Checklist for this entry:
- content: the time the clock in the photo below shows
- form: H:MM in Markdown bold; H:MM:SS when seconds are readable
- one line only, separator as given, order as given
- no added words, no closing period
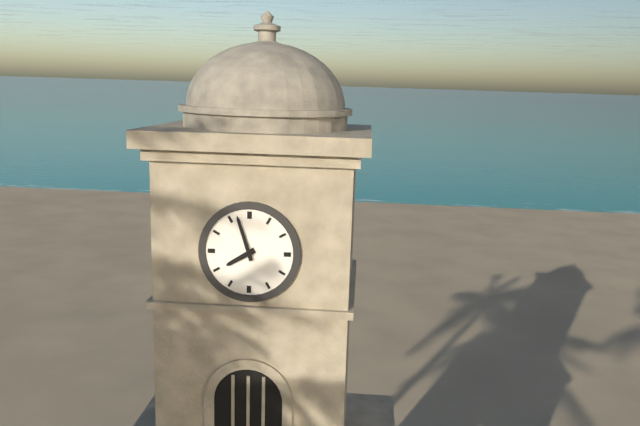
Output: **7:57**
